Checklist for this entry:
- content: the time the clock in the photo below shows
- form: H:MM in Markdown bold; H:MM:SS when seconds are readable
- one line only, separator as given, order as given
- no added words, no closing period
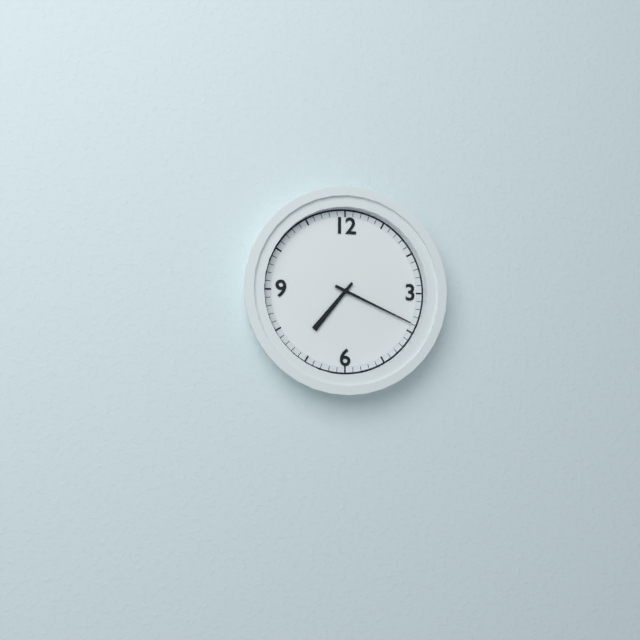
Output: **7:19**
